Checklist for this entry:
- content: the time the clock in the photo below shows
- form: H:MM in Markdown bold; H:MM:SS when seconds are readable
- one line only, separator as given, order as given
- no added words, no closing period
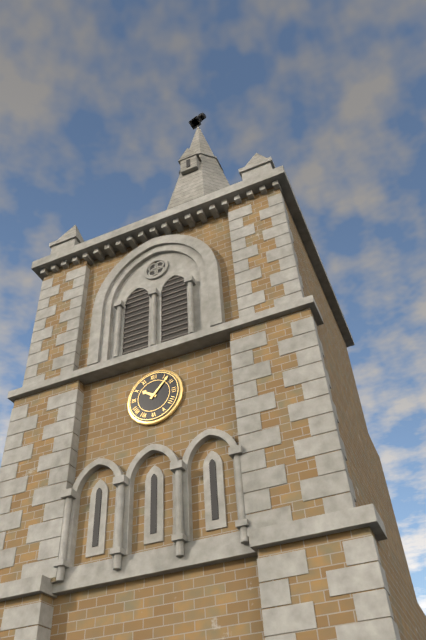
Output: **10:07**
